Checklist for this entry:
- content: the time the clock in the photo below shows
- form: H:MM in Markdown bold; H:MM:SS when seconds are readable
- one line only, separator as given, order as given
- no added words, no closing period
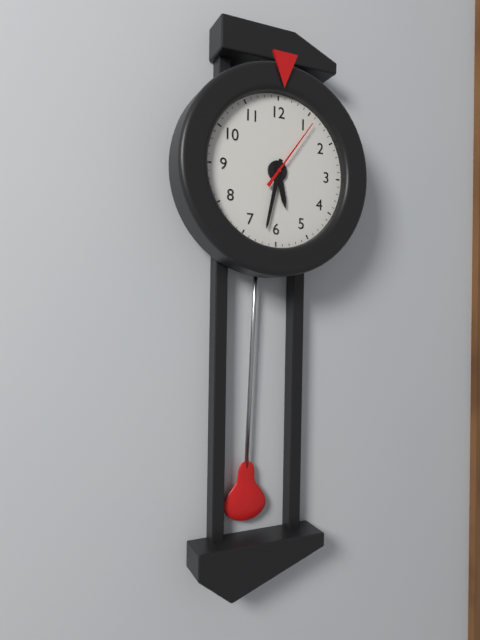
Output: **5:32:06**
